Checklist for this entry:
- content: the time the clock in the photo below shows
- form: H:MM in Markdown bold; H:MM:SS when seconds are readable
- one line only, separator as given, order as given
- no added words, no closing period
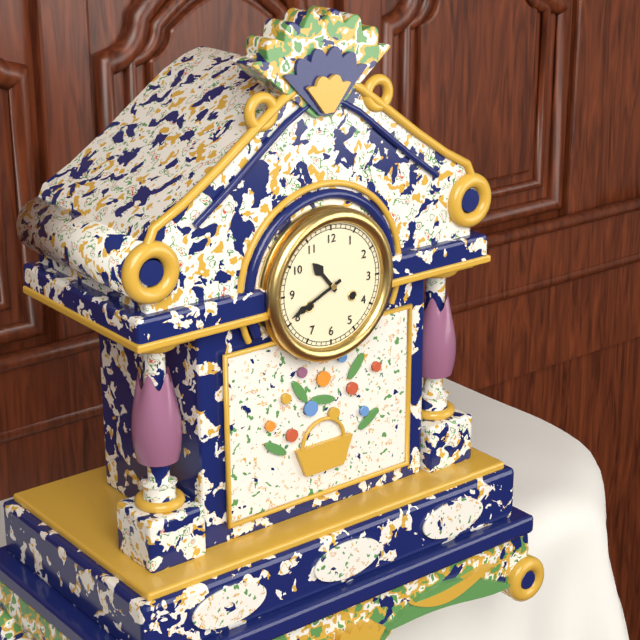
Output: **10:41**
